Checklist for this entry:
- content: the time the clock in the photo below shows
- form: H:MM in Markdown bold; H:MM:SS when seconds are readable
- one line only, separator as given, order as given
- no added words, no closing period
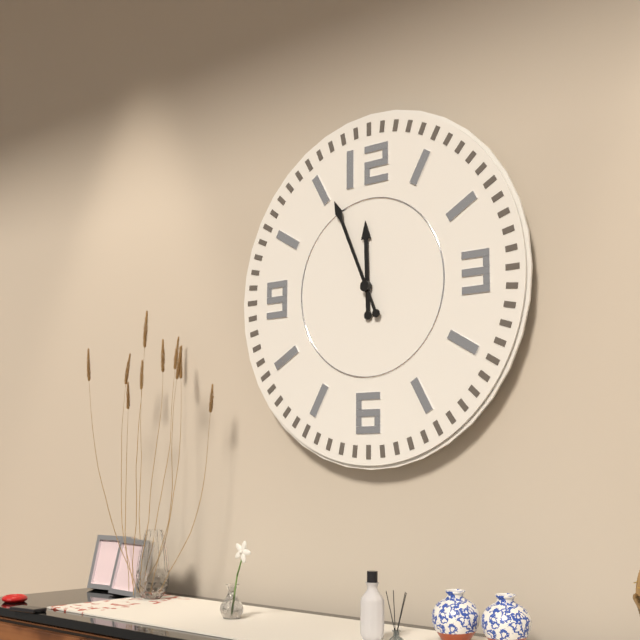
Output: **11:56**
